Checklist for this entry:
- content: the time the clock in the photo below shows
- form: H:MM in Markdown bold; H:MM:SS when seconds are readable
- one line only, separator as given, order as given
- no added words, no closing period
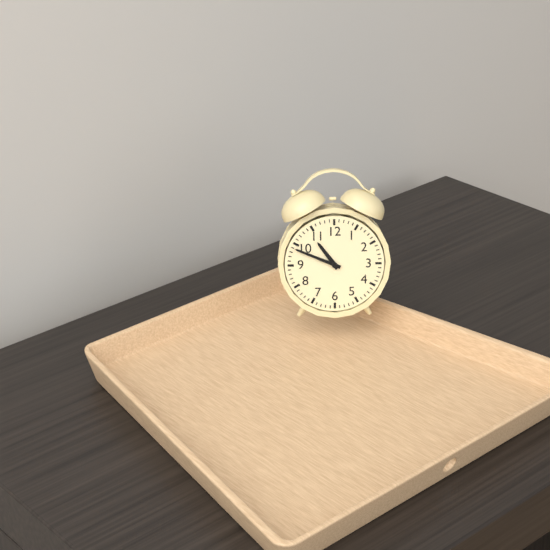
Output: **10:49**
